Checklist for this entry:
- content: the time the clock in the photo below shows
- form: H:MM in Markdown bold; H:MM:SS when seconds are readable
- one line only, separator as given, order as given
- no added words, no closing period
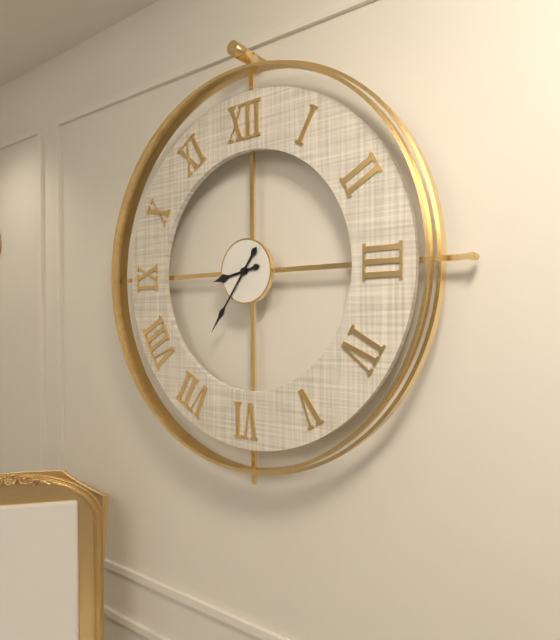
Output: **8:36**
